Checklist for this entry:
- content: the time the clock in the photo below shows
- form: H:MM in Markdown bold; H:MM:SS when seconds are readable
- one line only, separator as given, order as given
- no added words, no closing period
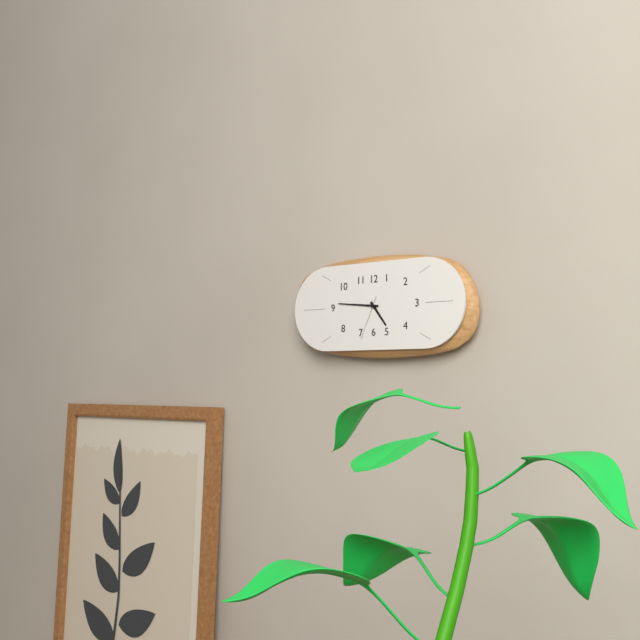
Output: **4:46**
